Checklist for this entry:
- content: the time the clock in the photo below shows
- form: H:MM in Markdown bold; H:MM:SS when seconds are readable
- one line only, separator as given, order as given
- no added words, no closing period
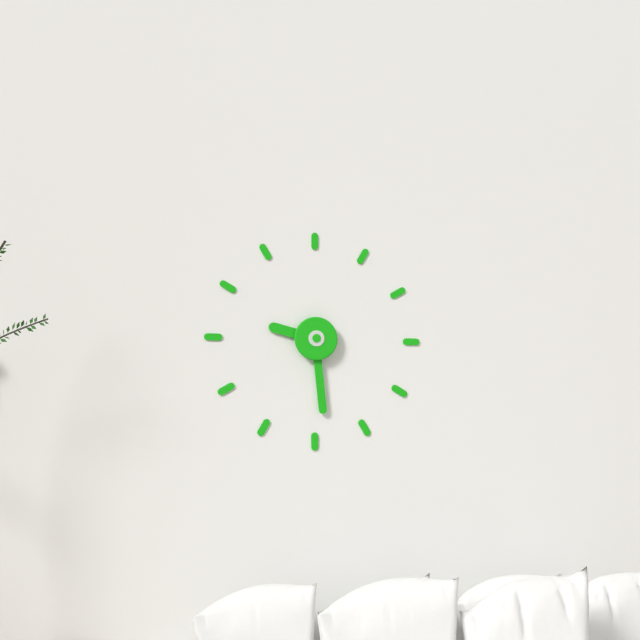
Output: **9:29**
